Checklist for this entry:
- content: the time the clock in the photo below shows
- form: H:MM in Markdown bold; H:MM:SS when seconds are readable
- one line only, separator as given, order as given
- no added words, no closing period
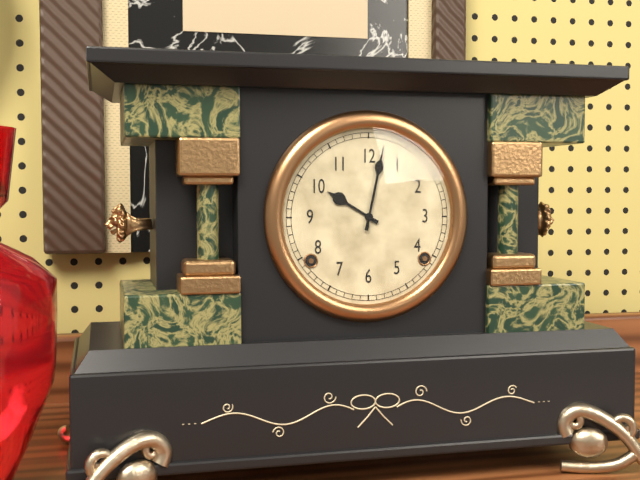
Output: **10:02**
